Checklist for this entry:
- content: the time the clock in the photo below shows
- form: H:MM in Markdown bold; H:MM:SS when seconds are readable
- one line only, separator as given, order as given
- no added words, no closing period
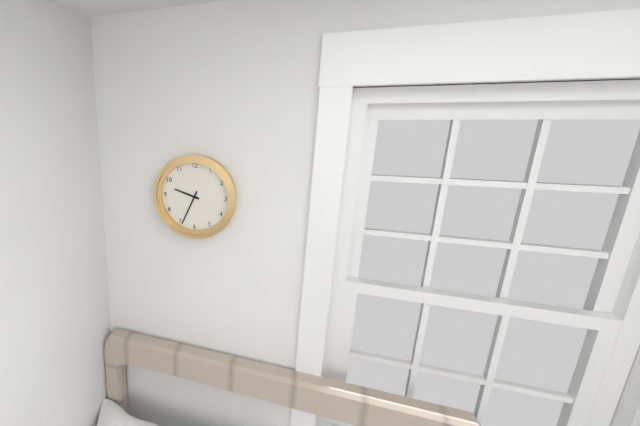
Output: **9:34**
